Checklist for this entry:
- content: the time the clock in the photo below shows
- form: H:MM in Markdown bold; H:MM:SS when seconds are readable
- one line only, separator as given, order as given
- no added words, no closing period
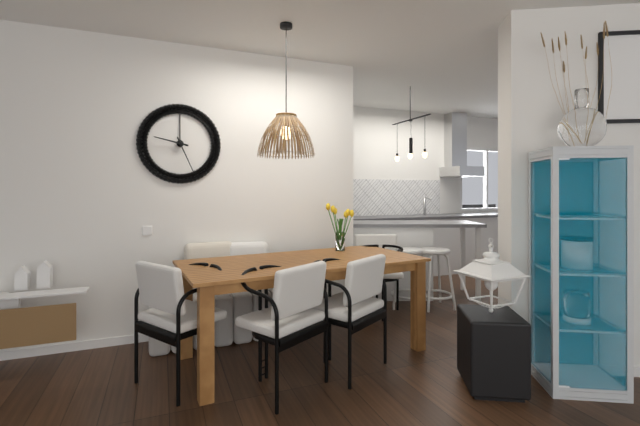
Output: **9:26**
